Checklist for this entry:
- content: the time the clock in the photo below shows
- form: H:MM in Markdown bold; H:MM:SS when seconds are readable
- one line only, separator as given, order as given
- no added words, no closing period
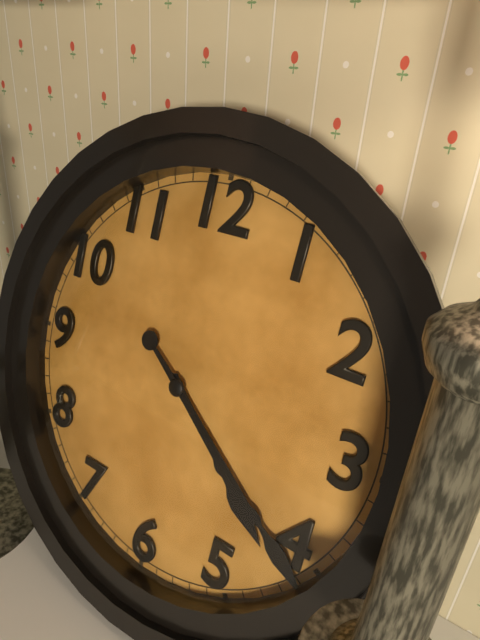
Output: **4:21**
